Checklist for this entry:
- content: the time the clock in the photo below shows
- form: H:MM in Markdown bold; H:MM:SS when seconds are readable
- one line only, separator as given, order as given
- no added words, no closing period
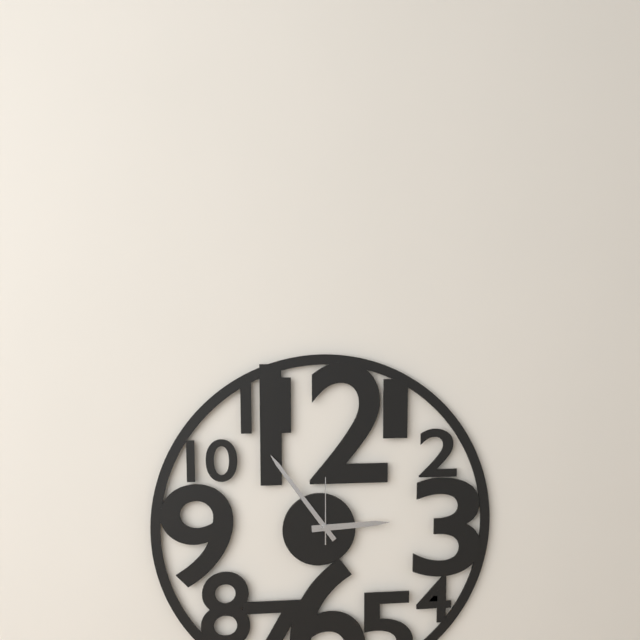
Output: **2:54:00**
